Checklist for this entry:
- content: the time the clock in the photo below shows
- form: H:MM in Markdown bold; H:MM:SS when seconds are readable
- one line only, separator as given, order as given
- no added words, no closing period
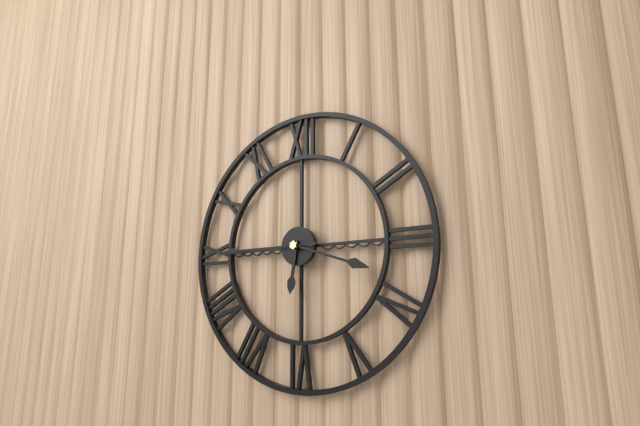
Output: **6:18:45**
